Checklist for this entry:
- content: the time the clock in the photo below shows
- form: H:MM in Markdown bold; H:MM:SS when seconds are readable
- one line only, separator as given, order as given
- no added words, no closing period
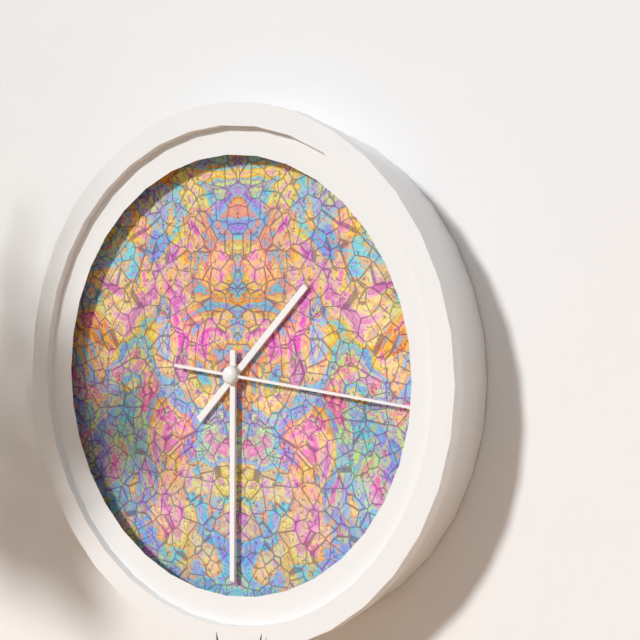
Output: **1:30:16**
